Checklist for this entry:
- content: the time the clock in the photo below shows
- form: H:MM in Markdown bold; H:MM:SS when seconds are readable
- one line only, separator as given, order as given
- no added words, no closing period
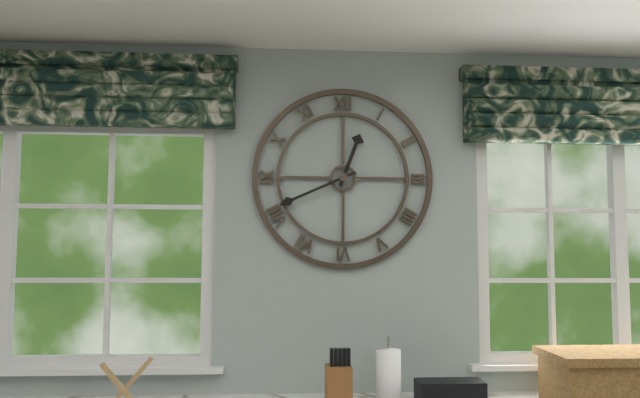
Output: **12:41**
